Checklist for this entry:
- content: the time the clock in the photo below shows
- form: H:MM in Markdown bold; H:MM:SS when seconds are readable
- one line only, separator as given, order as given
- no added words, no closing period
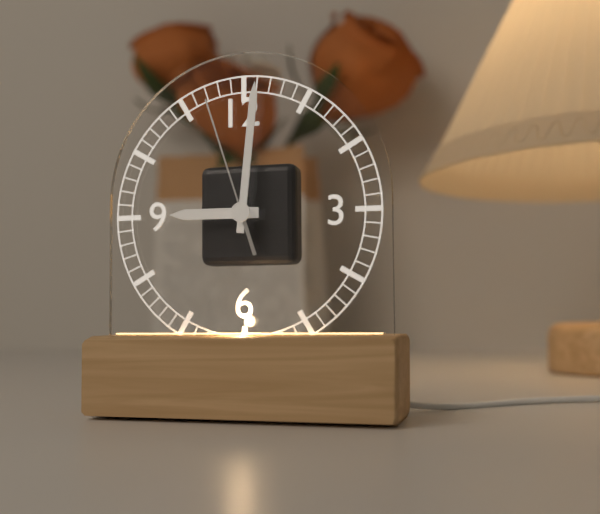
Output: **9:01:57**
